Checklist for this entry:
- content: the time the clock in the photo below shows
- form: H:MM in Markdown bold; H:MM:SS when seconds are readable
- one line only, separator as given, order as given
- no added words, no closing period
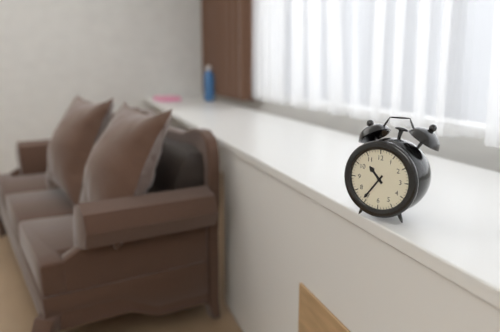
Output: **10:36**
